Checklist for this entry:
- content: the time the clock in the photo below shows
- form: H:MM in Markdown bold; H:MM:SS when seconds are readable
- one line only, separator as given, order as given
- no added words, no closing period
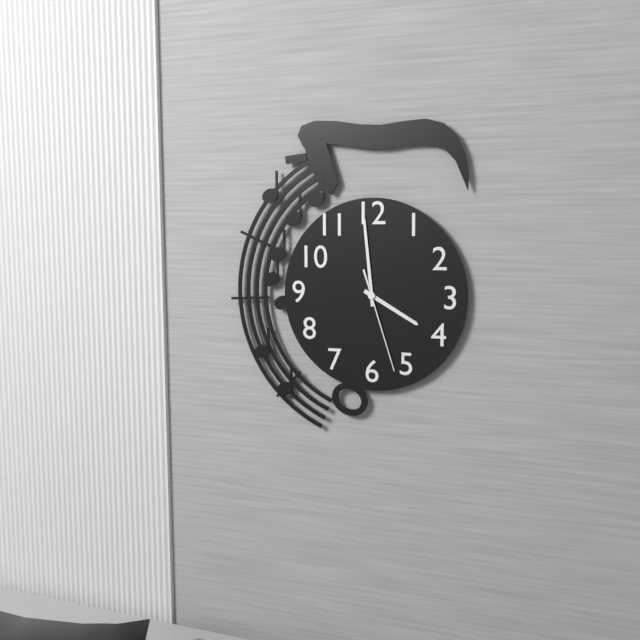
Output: **3:59:27**
